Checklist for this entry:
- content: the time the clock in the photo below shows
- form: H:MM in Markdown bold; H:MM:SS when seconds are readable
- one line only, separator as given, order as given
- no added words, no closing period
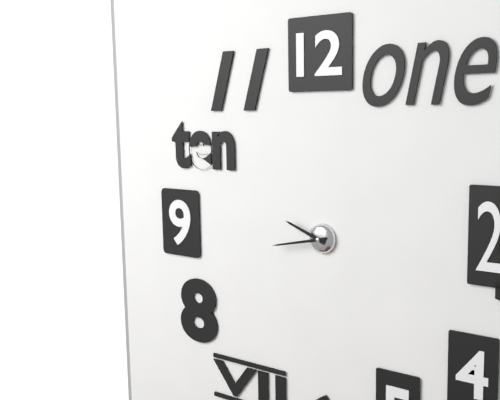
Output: **9:43**
